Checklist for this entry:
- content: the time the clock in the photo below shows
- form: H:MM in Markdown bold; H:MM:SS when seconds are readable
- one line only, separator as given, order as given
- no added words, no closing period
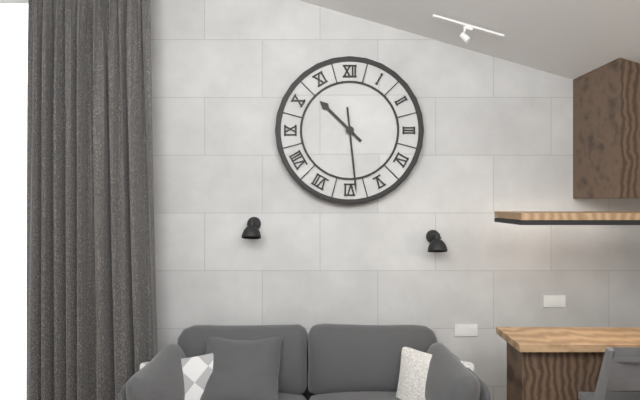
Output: **10:29**
